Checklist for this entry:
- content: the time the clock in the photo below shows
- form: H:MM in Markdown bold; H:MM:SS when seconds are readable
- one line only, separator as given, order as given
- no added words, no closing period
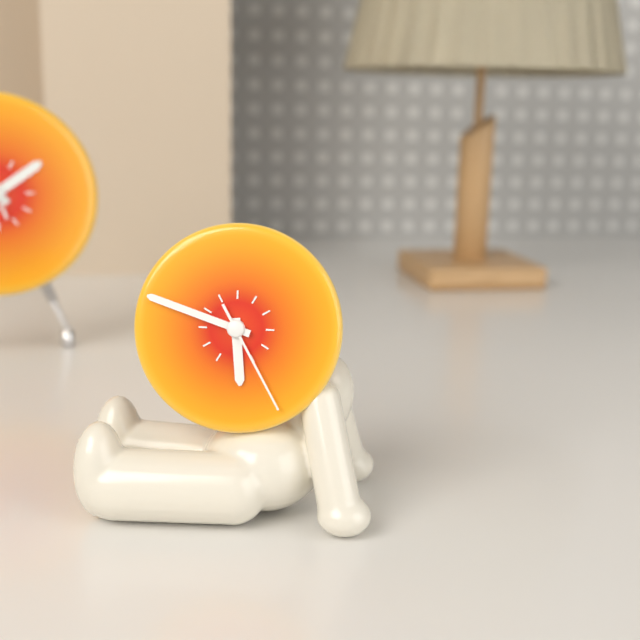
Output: **5:48:25**
